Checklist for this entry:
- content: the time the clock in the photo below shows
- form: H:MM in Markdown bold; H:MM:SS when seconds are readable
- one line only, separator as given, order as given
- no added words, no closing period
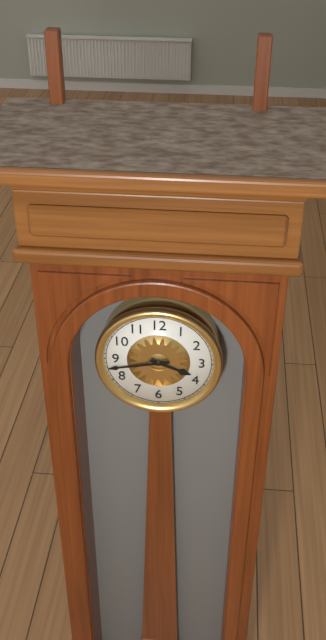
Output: **3:43**
